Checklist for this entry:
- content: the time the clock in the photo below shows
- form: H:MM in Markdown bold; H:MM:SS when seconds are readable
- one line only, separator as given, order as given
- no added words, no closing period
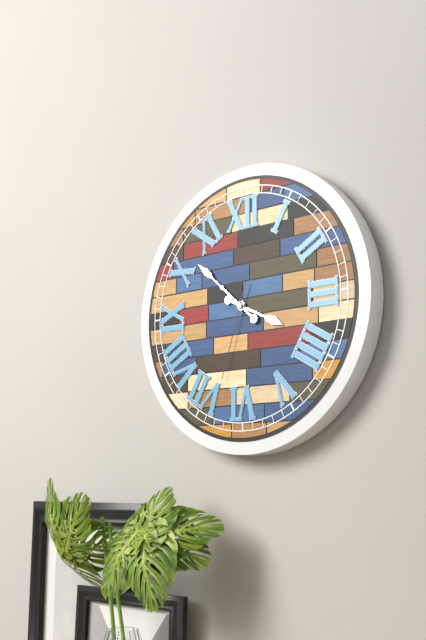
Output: **3:52:33**
